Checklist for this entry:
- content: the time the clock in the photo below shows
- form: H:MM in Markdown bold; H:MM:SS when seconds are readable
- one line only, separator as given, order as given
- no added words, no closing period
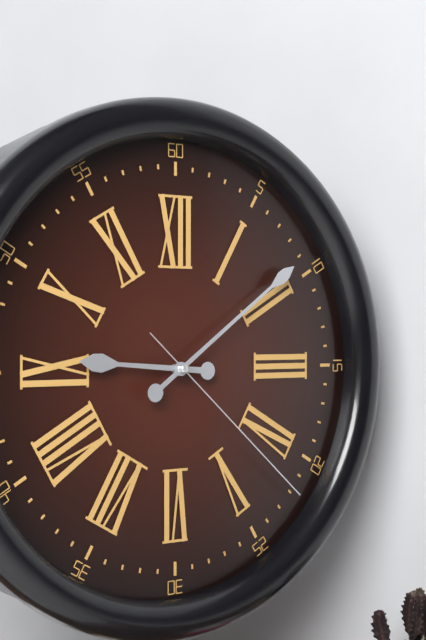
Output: **9:09:22**
